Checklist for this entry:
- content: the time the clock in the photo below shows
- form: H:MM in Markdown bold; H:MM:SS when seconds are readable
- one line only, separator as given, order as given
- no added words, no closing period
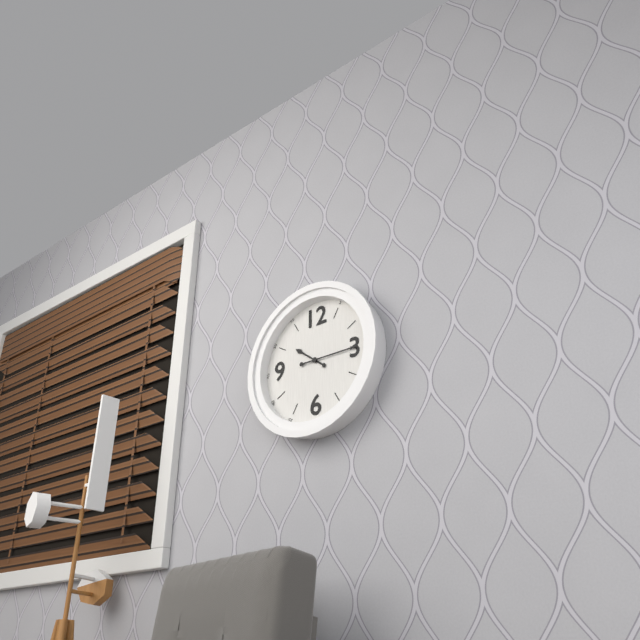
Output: **10:15**
